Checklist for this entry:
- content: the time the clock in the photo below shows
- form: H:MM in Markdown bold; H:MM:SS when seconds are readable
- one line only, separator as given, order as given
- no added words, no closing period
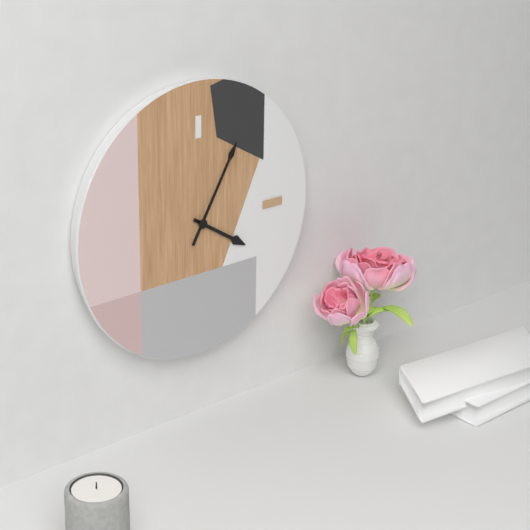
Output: **4:05**
